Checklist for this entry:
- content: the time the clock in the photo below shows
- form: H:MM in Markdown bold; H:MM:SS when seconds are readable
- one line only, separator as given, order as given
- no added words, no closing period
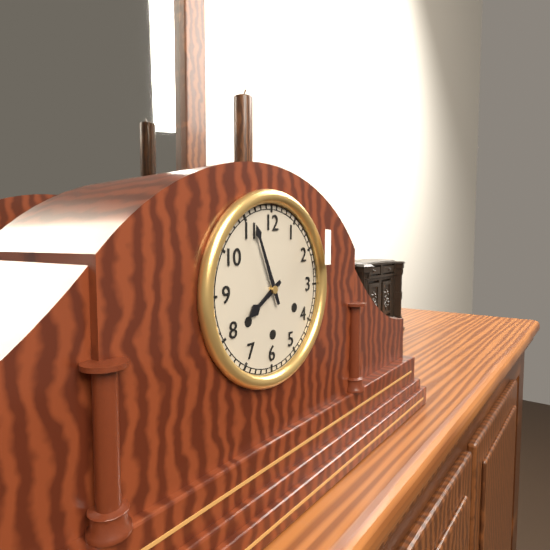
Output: **7:56**
